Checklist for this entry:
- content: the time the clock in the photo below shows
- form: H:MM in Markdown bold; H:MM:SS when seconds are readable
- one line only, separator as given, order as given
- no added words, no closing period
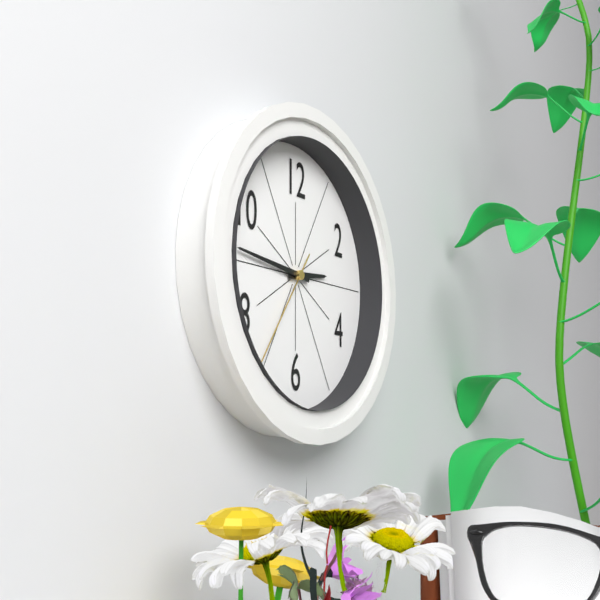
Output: **2:46:36**
